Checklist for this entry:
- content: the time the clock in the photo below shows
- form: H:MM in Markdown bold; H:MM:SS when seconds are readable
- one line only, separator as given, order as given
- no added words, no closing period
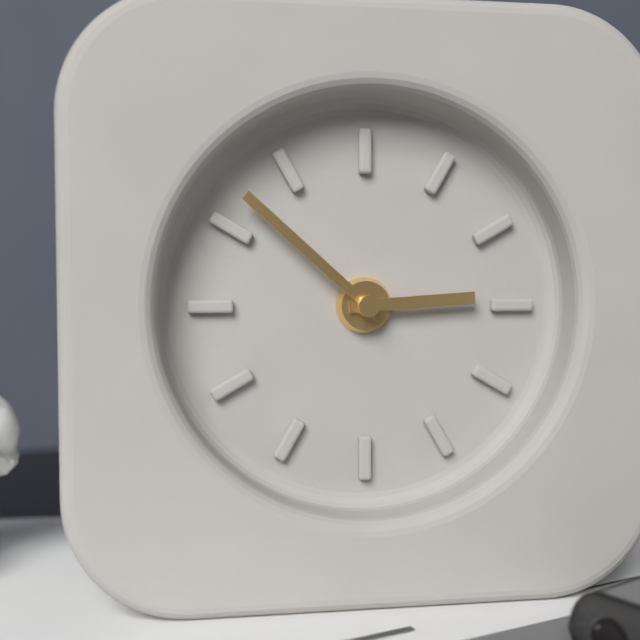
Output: **2:52**
